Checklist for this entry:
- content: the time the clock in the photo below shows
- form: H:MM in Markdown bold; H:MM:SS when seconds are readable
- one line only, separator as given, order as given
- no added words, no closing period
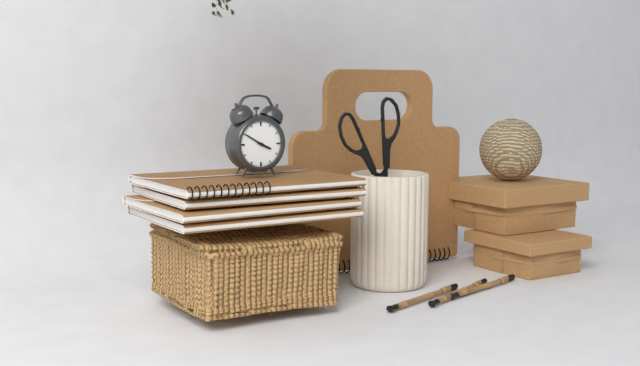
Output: **3:50**
